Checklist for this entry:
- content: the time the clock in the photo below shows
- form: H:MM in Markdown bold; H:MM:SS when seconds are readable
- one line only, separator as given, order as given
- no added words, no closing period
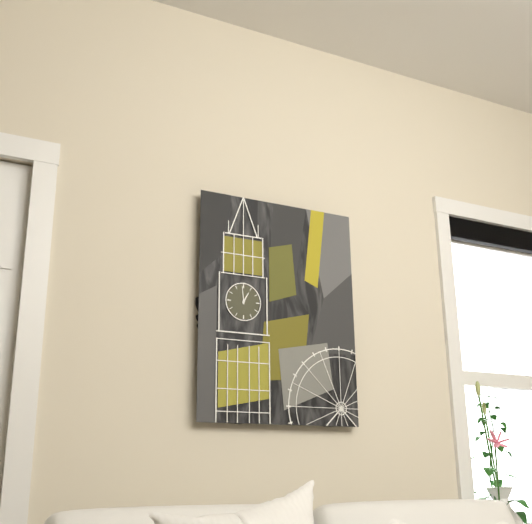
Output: **12:59**
